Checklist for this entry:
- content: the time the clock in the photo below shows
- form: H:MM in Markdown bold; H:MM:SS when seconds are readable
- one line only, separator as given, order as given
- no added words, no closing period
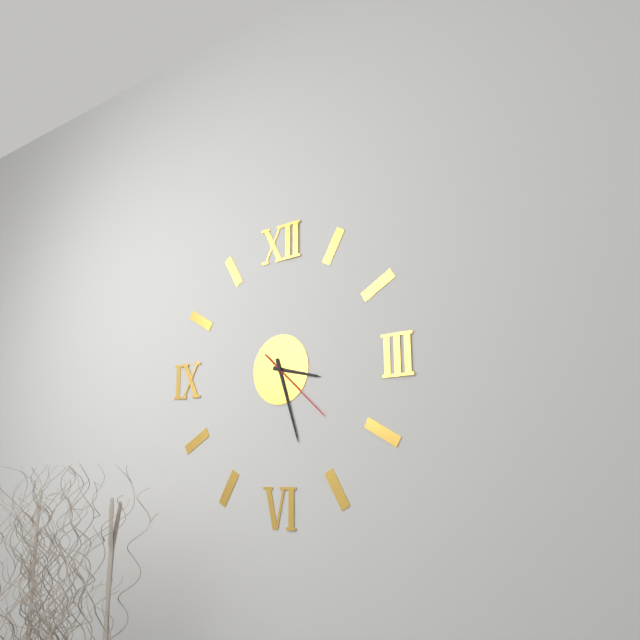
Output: **3:27:22**
